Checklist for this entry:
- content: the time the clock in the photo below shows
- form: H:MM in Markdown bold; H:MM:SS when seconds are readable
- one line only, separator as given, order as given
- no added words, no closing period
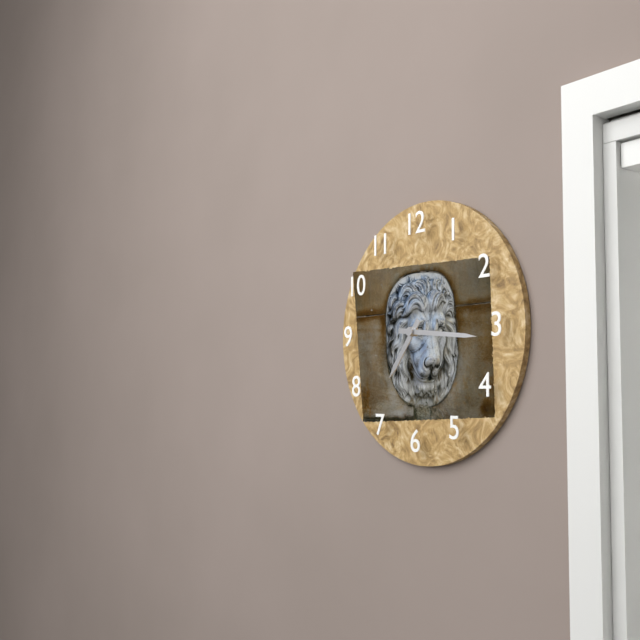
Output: **7:16**
